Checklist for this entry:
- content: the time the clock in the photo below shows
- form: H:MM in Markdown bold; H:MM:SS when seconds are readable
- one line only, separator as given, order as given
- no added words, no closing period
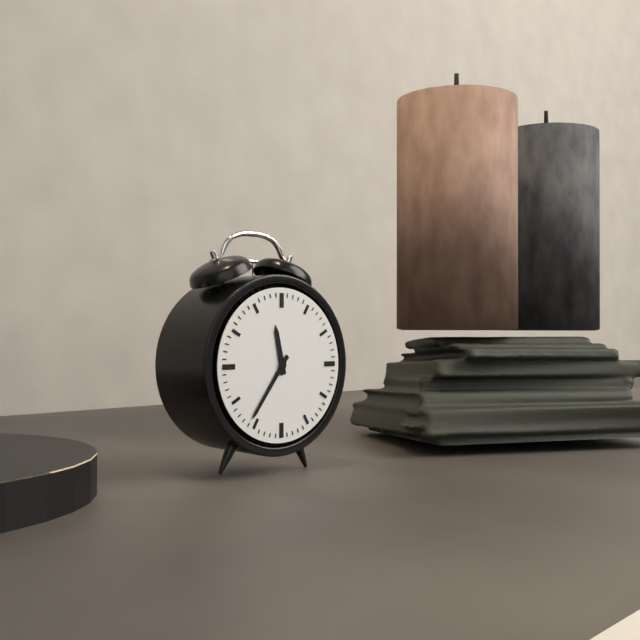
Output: **11:36**
